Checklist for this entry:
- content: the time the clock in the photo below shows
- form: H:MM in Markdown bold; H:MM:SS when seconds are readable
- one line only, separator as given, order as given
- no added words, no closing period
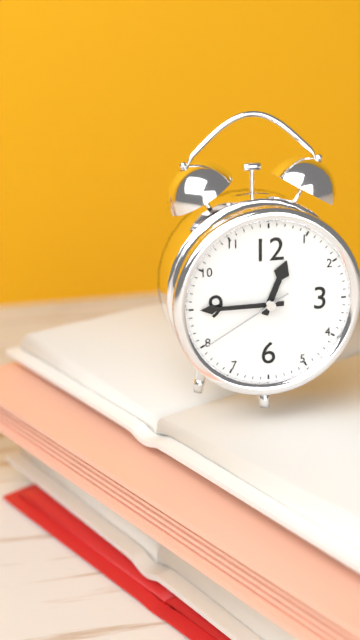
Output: **12:45:40**
